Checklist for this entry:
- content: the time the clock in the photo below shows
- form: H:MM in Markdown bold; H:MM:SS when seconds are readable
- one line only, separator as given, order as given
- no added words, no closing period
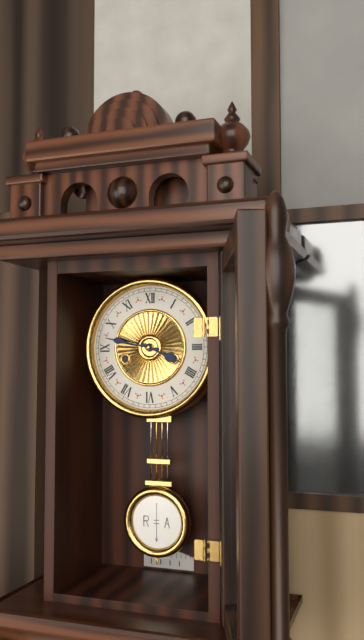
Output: **3:47**
